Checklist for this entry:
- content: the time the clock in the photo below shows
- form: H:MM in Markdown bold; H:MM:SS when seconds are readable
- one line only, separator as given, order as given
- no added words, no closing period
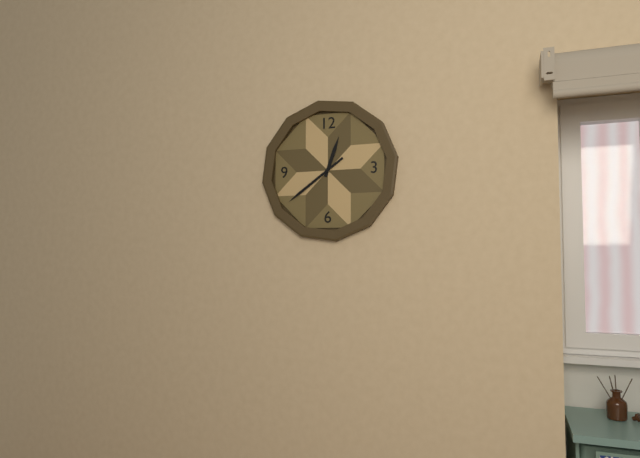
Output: **12:39**
